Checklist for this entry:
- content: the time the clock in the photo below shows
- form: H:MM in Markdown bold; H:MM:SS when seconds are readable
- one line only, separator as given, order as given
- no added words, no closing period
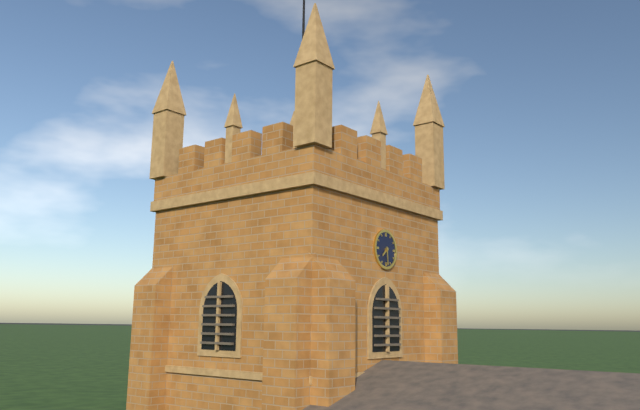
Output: **7:29**
